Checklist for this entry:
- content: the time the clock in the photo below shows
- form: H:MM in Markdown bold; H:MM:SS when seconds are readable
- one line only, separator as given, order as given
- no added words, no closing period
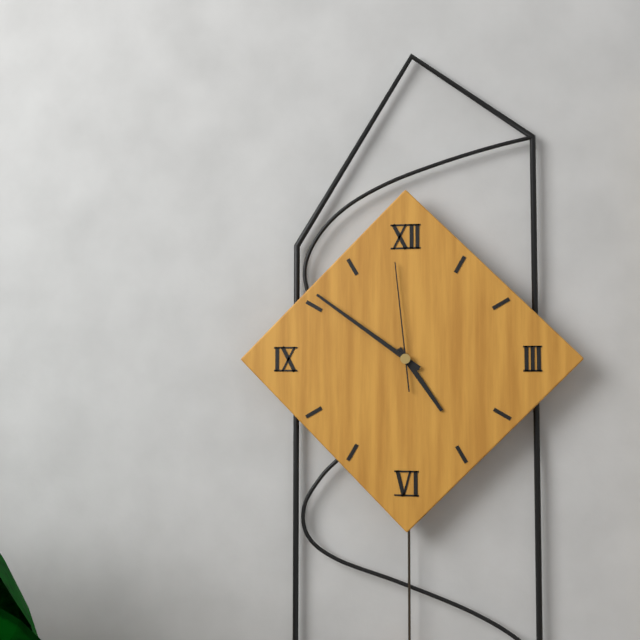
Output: **4:51:59**
